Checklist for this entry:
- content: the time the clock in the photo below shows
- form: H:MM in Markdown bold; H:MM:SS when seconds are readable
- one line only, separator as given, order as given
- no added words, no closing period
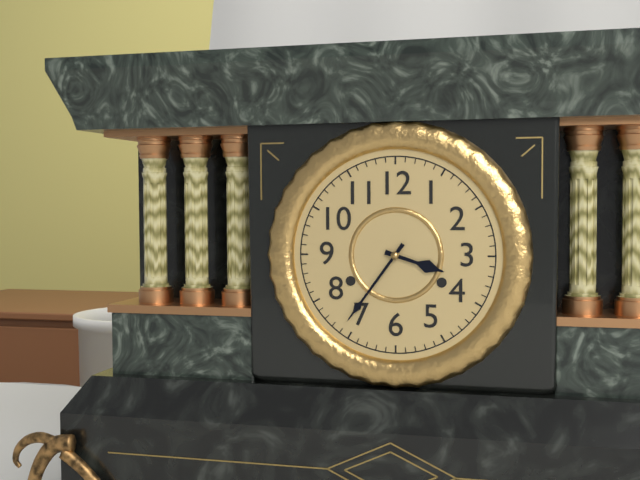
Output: **3:36**
